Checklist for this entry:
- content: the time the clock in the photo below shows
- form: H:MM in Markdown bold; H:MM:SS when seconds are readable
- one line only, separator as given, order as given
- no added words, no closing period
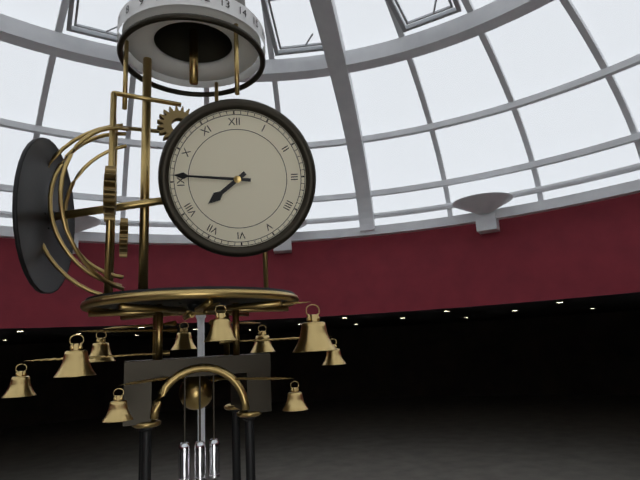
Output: **7:46**
